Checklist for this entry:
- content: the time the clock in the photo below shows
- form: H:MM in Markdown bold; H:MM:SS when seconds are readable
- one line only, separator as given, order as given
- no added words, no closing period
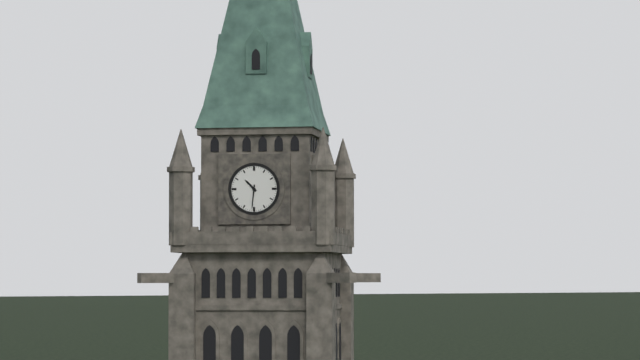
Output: **10:31**
